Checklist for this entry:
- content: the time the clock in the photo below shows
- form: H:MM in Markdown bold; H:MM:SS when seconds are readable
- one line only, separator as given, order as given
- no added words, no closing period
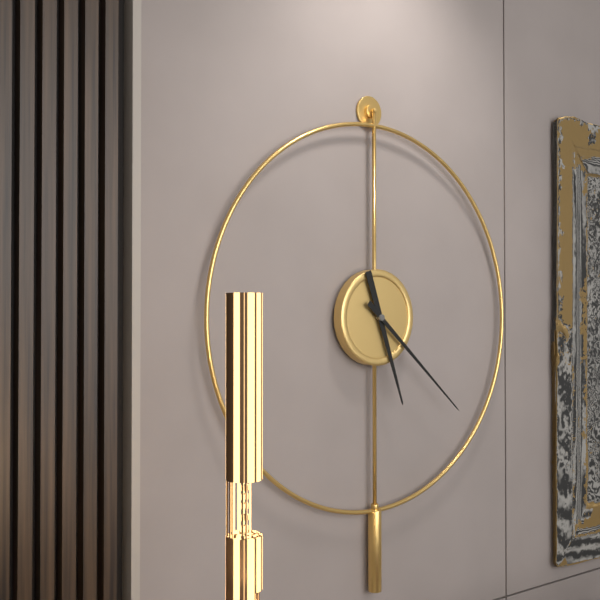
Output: **5:22**
